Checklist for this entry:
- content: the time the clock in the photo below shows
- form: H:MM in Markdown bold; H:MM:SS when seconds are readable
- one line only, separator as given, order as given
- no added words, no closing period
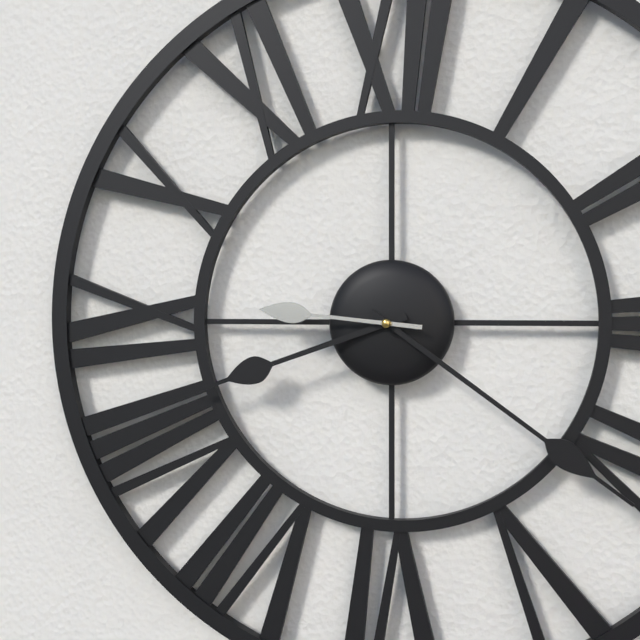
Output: **8:21:46**
